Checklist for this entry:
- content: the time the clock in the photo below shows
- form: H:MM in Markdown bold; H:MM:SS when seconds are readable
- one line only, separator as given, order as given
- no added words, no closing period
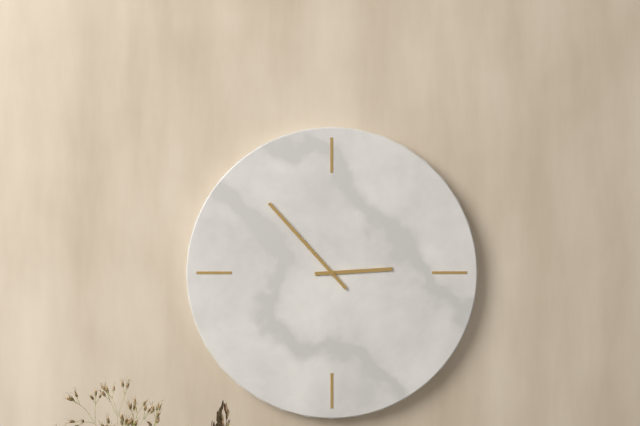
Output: **2:53**
